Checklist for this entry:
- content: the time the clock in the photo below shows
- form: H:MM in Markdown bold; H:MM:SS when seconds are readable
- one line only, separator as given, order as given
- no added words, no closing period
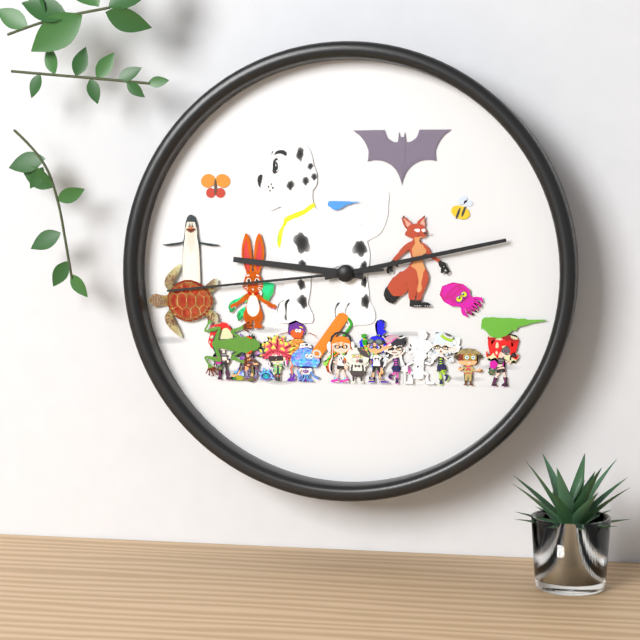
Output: **9:13:44**
